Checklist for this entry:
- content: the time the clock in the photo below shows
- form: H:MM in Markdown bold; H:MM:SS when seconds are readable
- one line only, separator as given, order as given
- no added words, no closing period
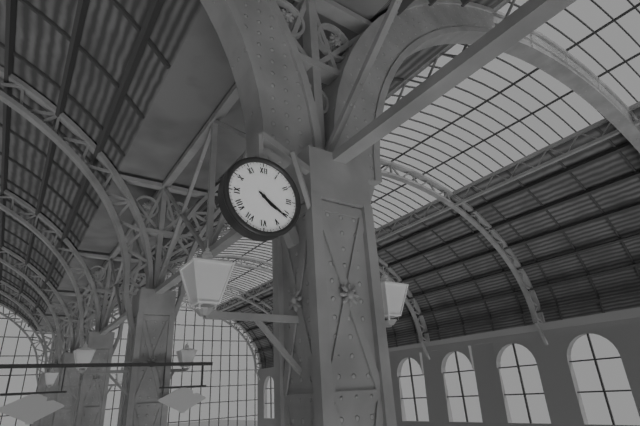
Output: **4:21**
